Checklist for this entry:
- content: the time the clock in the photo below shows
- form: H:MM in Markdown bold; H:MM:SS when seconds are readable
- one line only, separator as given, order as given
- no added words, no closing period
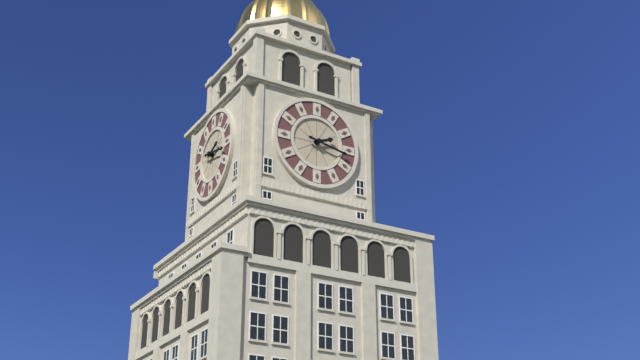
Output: **2:17**
